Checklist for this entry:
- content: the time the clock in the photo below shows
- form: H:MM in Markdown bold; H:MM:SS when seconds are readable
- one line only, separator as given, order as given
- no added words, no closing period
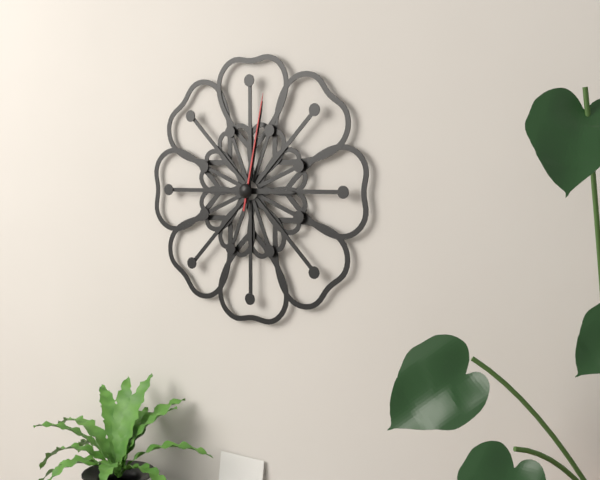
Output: **3:02:02**
